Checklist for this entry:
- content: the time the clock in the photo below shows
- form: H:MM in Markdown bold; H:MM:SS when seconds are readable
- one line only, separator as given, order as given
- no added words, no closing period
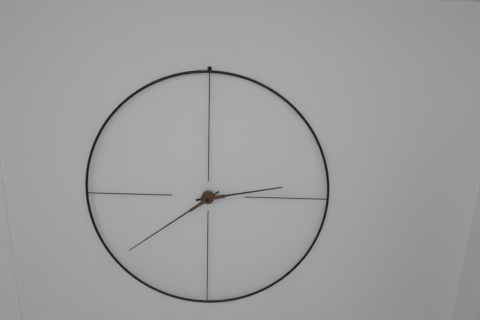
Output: **2:39**
